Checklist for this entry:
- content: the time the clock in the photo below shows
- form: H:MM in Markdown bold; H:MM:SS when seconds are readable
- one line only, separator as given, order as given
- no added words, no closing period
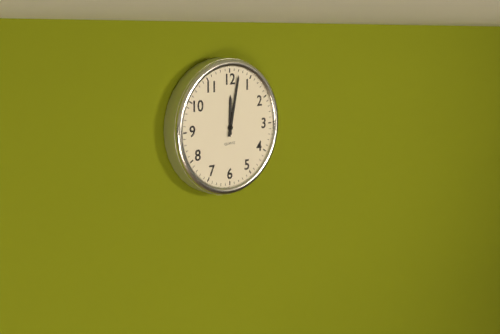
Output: **12:02**
